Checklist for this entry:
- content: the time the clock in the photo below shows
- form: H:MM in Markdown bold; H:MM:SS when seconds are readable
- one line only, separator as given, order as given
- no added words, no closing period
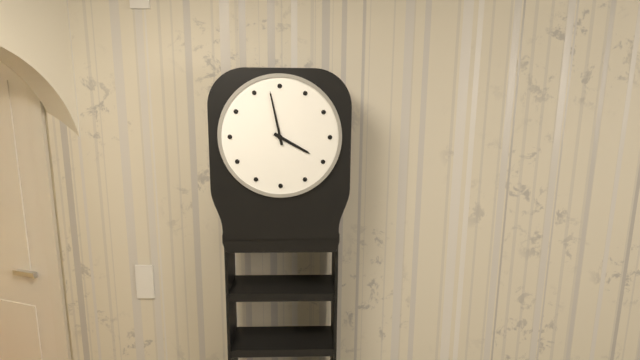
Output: **3:58**
